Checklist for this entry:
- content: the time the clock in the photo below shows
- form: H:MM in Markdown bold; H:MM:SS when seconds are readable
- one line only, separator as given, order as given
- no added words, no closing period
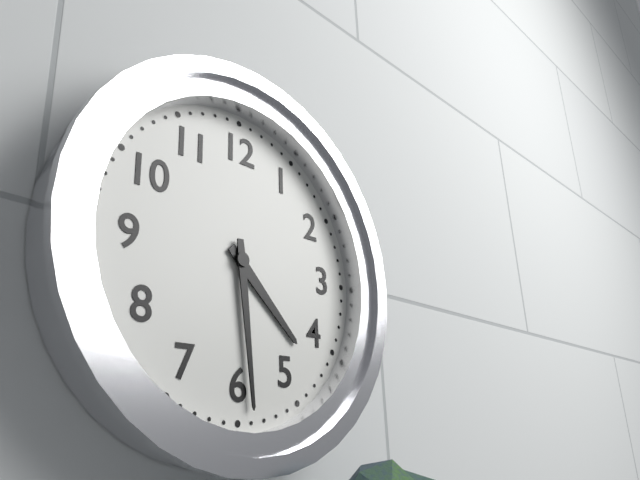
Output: **4:29**
